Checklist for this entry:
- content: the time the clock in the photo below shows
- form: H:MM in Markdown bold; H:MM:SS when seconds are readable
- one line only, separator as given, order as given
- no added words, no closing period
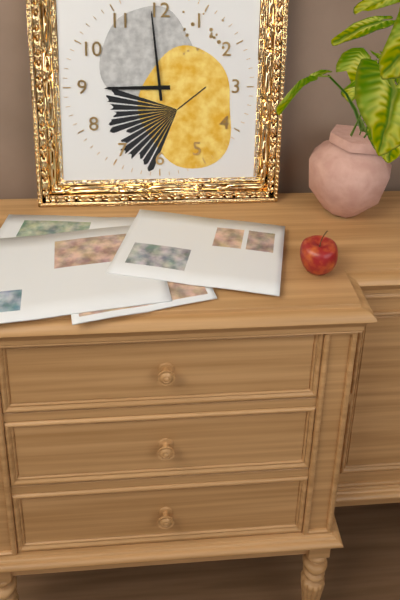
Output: **8:59**
